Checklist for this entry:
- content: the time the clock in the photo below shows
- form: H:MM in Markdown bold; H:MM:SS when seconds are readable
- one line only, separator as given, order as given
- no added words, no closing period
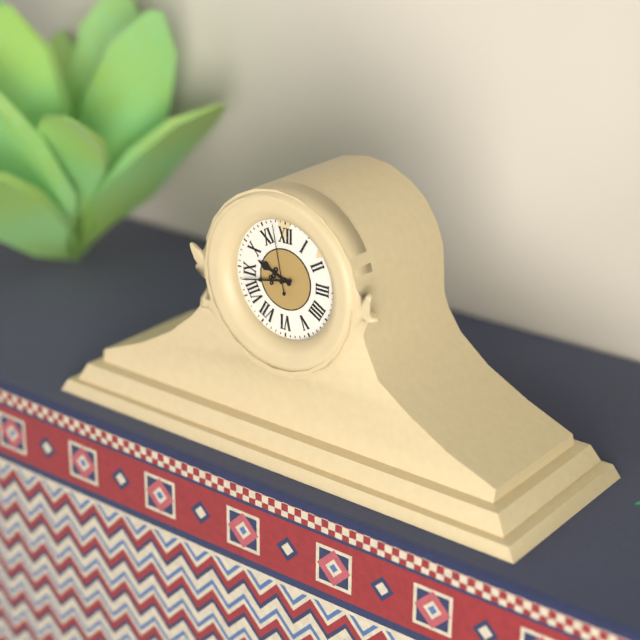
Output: **9:43:58**
